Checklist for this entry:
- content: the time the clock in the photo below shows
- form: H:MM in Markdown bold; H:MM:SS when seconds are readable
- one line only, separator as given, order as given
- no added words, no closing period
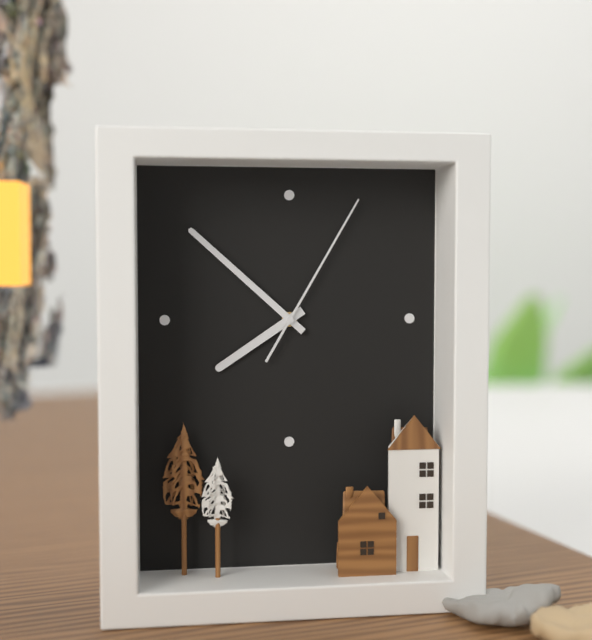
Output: **7:52:05**
